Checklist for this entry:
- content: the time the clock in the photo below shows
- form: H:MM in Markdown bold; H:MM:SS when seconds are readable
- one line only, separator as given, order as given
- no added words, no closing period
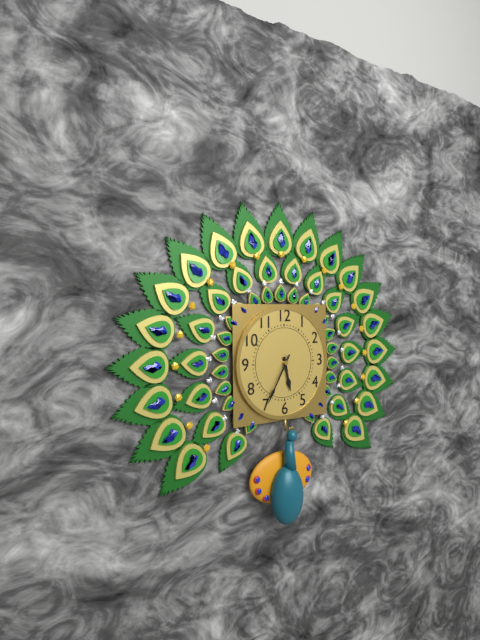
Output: **5:35**
